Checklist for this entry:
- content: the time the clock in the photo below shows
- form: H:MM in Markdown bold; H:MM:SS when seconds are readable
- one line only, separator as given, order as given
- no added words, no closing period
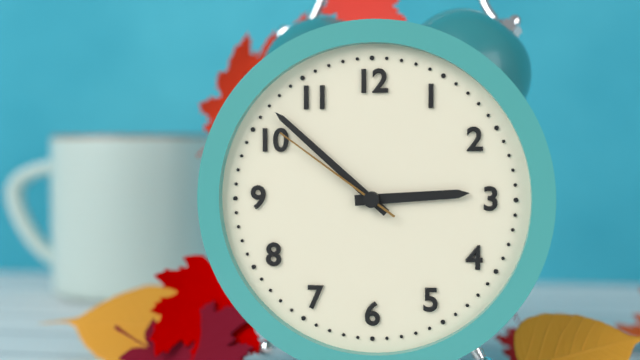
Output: **2:52:51**
